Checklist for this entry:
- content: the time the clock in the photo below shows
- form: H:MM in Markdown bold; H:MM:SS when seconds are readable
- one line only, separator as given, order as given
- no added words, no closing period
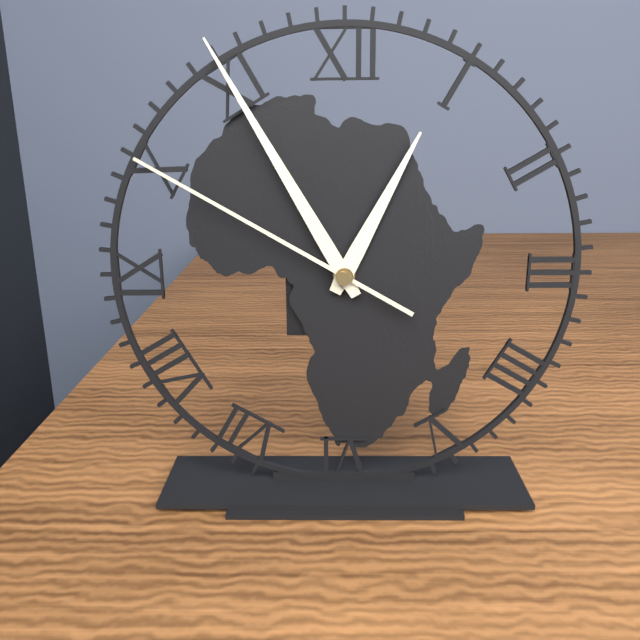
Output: **12:55:50**
